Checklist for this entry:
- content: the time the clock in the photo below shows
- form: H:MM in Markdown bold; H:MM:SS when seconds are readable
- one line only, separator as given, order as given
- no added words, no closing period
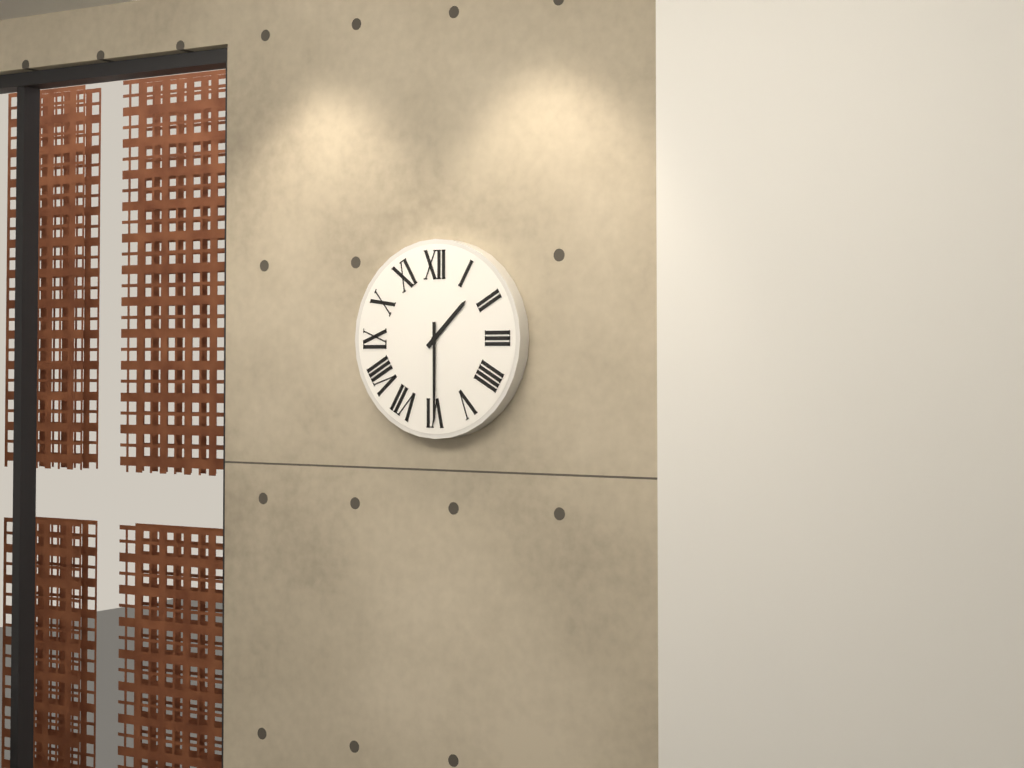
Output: **1:30**
